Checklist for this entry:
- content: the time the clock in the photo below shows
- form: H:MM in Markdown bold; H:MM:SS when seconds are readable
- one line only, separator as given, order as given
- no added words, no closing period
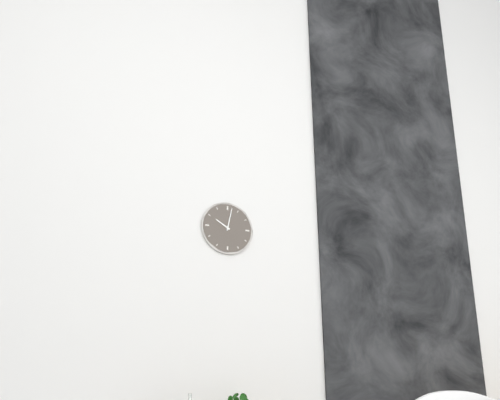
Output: **10:02**
